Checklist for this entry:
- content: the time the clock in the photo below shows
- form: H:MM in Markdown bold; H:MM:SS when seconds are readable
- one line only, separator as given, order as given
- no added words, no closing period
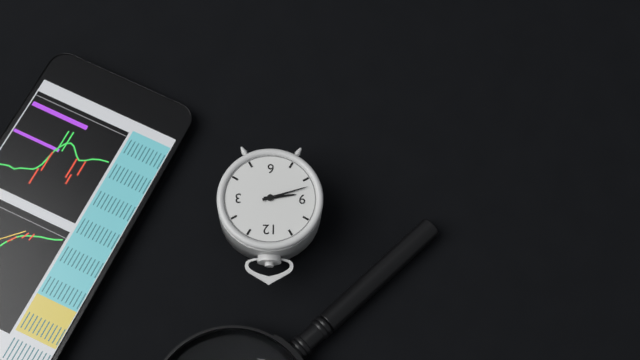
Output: **8:42**
